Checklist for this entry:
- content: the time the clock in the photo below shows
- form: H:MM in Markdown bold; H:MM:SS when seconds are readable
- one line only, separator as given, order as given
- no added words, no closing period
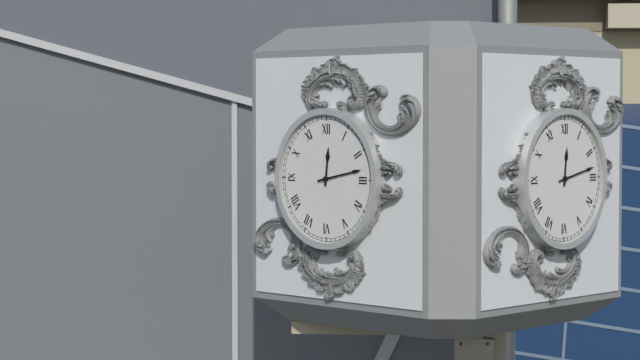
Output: **12:13**
